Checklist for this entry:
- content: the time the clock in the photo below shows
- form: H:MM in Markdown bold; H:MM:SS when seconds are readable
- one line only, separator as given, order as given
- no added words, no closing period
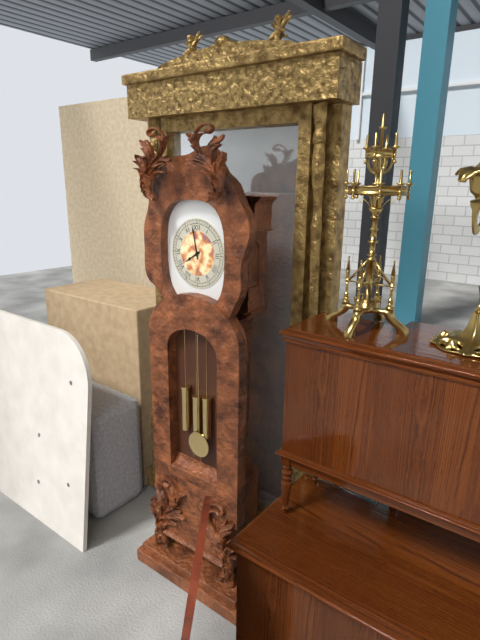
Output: **7:58**
